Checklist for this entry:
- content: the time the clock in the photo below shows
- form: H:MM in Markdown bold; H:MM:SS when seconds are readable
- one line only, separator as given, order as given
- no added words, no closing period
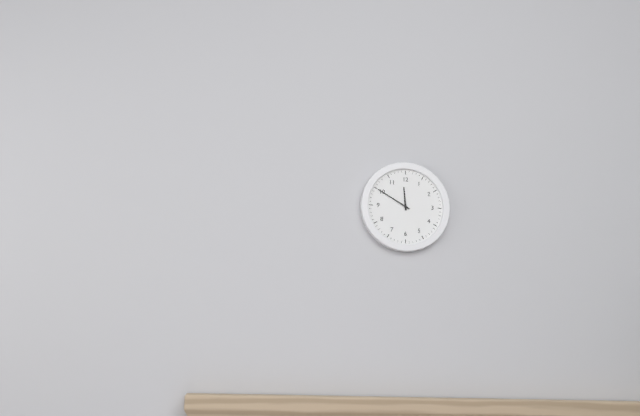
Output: **11:50**
